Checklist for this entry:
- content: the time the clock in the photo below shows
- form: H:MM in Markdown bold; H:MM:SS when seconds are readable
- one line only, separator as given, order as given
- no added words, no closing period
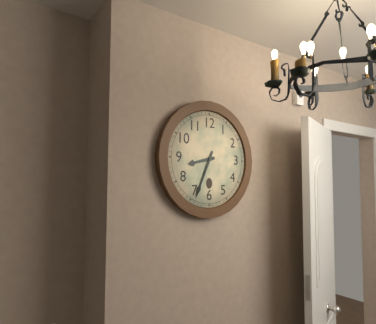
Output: **8:34**
